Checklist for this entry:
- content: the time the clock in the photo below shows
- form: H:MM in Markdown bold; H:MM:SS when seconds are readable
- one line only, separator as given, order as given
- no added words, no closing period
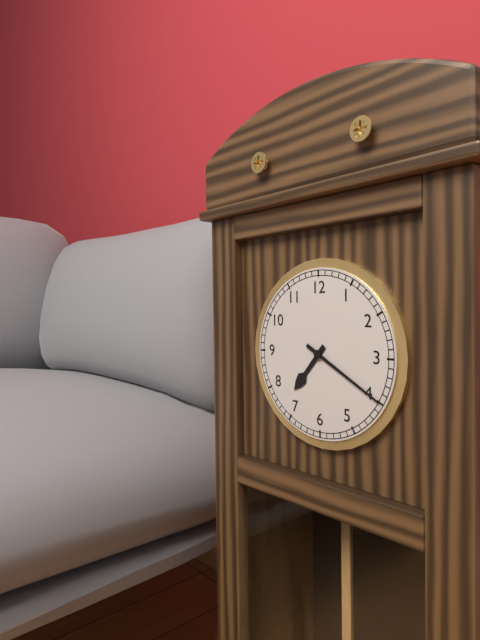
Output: **7:20**
